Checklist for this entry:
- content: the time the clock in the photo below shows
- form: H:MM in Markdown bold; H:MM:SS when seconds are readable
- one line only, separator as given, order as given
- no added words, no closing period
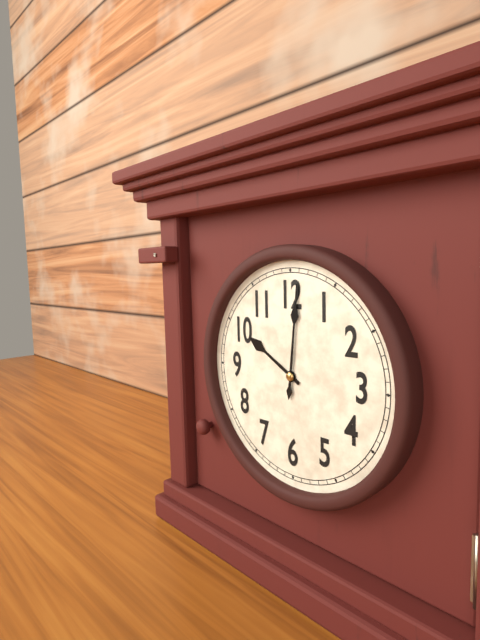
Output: **10:01**
